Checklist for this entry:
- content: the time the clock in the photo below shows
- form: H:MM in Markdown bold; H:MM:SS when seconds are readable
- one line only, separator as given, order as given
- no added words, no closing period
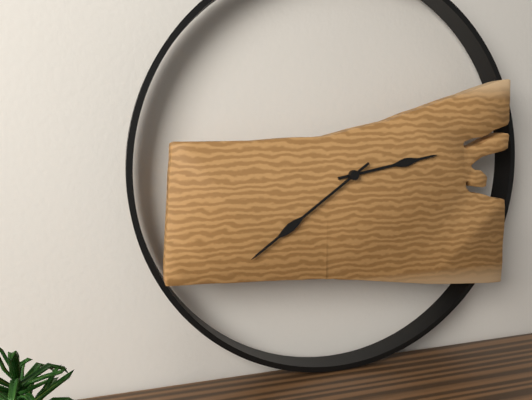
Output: **2:39**
